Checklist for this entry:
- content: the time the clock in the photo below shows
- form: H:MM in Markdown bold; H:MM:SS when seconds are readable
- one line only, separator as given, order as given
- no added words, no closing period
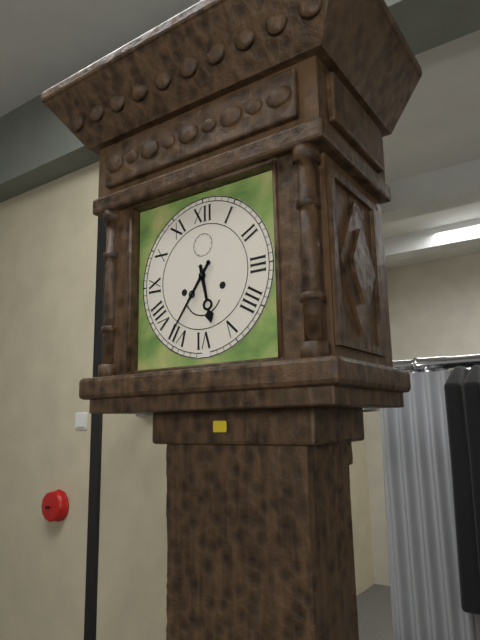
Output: **5:36**
